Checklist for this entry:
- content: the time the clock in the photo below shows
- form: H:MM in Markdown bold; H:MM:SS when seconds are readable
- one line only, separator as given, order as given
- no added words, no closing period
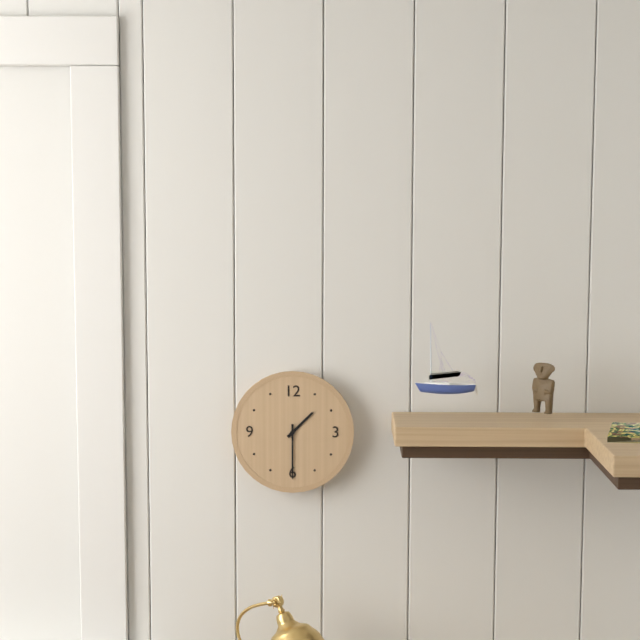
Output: **1:30**
